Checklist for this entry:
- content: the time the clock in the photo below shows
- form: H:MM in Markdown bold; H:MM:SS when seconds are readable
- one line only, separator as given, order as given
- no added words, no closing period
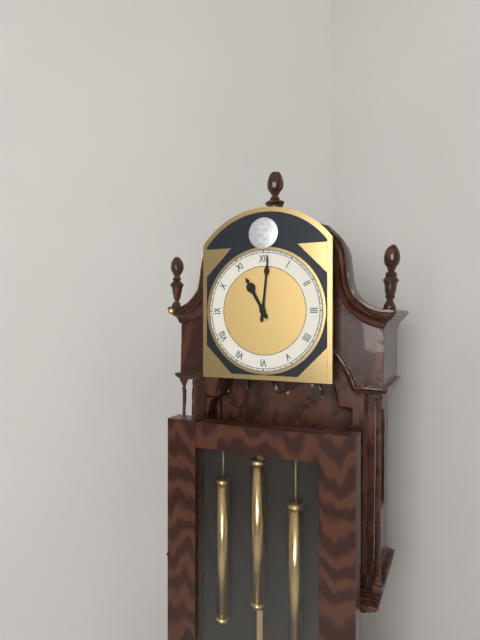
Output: **11:01**
